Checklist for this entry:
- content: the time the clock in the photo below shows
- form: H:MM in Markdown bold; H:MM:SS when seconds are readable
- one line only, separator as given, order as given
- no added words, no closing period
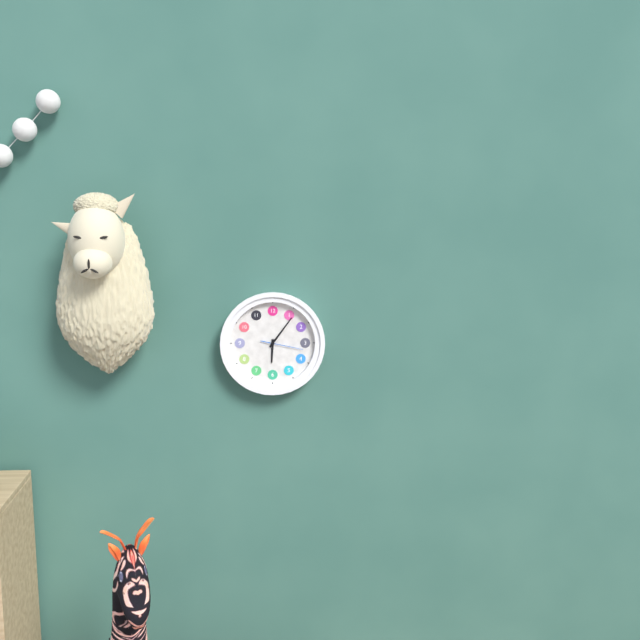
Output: **6:06**
